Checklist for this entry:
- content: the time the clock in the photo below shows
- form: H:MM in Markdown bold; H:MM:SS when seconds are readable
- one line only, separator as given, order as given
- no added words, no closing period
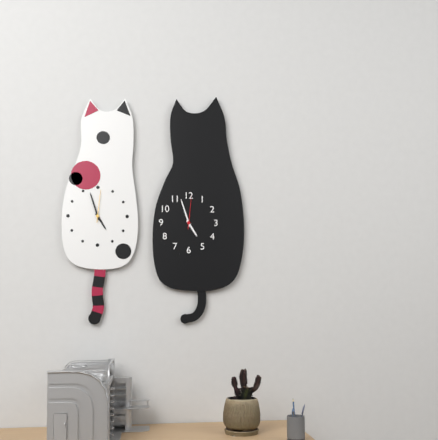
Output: **4:57**
